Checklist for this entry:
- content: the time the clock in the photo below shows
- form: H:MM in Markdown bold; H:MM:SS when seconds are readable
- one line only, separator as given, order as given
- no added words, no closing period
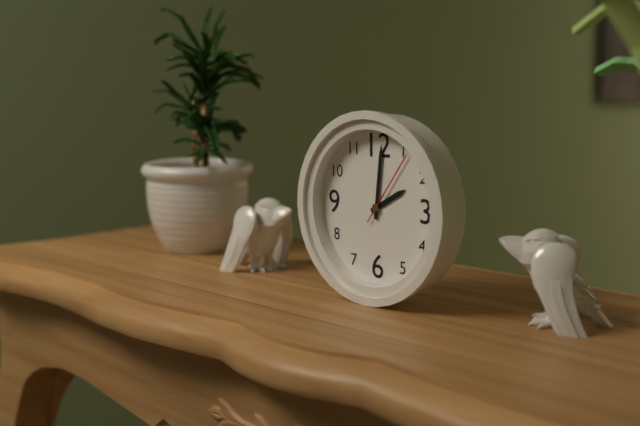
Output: **2:01:06**
